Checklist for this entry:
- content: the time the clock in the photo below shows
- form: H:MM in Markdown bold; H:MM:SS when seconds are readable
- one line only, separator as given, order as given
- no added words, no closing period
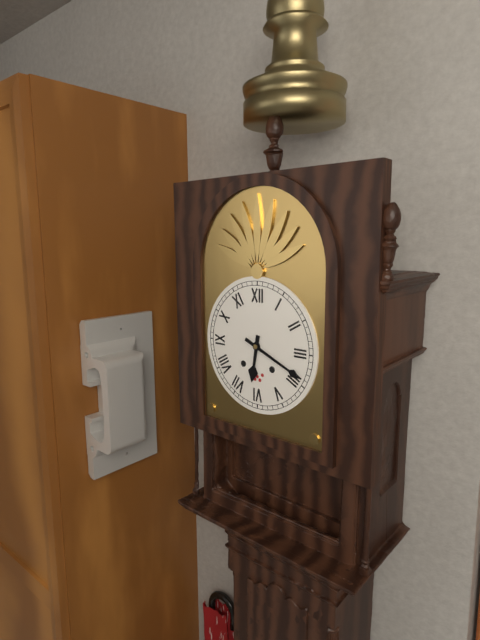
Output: **6:19**
